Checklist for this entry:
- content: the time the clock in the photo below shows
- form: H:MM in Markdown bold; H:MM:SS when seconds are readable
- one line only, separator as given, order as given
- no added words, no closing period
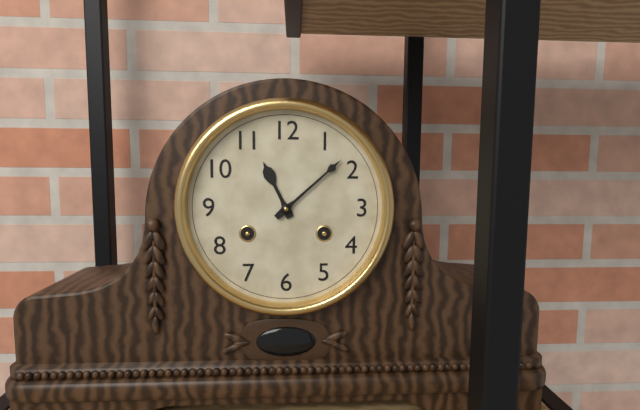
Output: **11:08**
